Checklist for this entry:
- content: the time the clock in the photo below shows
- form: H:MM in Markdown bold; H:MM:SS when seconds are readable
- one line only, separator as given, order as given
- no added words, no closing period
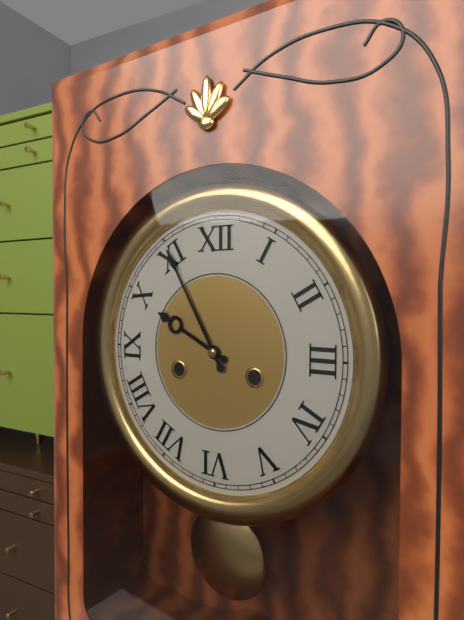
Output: **9:55**
